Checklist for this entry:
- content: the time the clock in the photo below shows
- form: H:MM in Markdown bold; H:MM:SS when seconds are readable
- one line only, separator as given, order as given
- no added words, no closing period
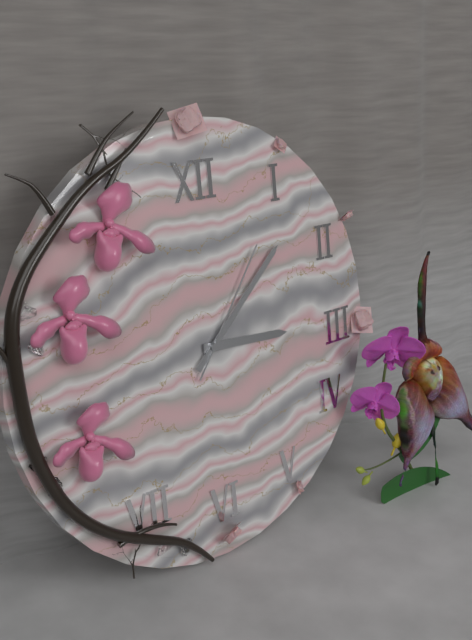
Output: **3:08:06**
